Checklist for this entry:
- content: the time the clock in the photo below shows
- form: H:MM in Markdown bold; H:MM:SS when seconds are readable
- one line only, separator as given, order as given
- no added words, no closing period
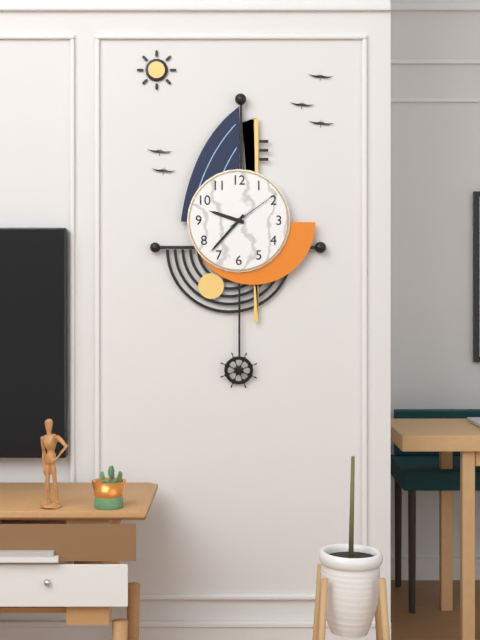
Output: **9:37:09**
